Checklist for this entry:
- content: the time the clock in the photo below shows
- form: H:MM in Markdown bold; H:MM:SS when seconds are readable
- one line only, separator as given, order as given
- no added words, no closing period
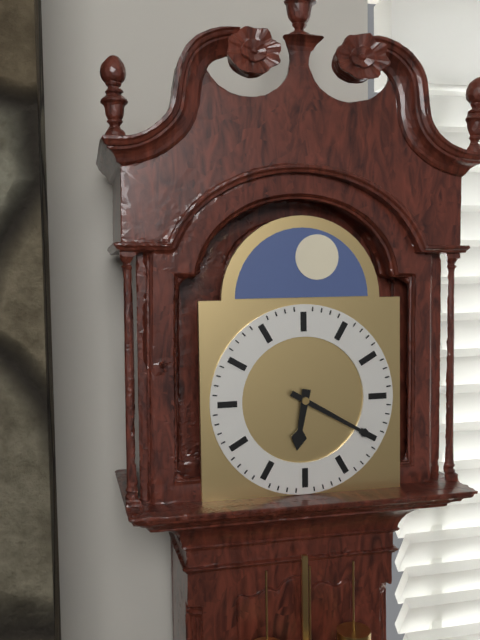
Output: **6:20**
